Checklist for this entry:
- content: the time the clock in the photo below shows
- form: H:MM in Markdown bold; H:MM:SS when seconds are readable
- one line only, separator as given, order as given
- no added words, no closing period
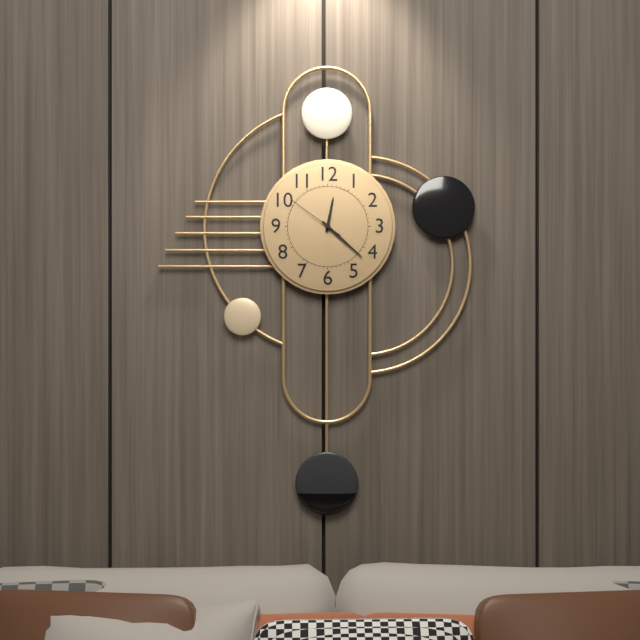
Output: **12:22:51**
